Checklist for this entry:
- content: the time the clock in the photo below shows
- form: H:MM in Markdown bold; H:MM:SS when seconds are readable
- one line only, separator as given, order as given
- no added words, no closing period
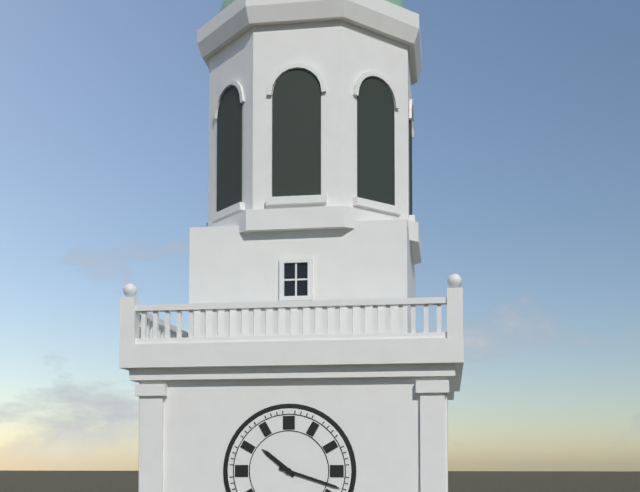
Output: **10:18**
